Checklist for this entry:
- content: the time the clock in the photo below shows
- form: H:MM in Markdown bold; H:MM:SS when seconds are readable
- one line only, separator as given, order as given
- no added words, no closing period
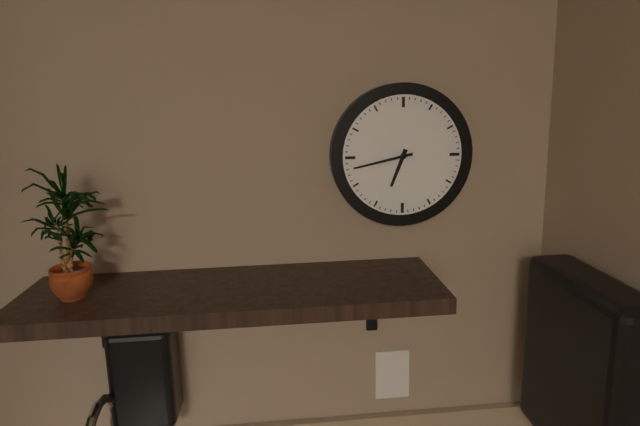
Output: **6:43**
